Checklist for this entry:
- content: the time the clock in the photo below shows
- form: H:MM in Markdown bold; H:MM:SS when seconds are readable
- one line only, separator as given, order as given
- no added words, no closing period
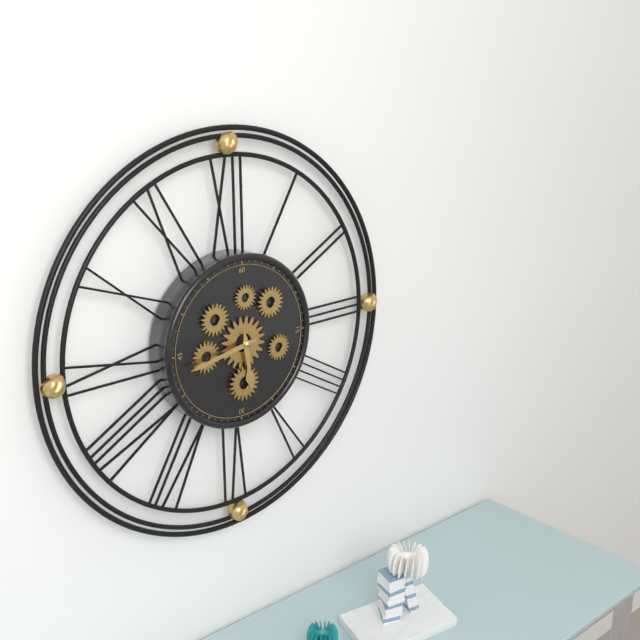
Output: **5:43**
